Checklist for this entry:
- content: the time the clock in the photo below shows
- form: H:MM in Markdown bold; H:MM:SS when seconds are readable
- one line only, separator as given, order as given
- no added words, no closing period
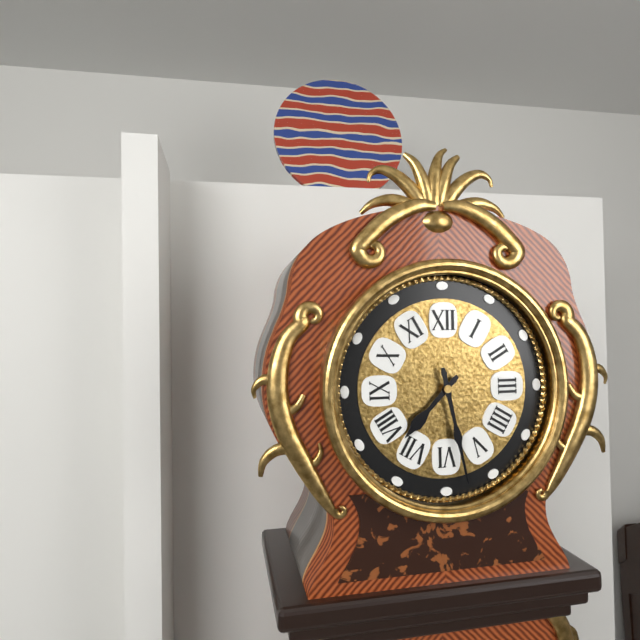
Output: **7:28**
